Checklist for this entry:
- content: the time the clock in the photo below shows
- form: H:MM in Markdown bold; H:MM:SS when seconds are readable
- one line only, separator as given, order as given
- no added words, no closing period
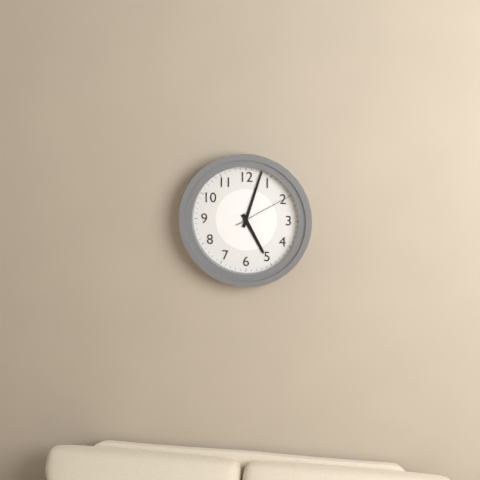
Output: **5:03:10**
